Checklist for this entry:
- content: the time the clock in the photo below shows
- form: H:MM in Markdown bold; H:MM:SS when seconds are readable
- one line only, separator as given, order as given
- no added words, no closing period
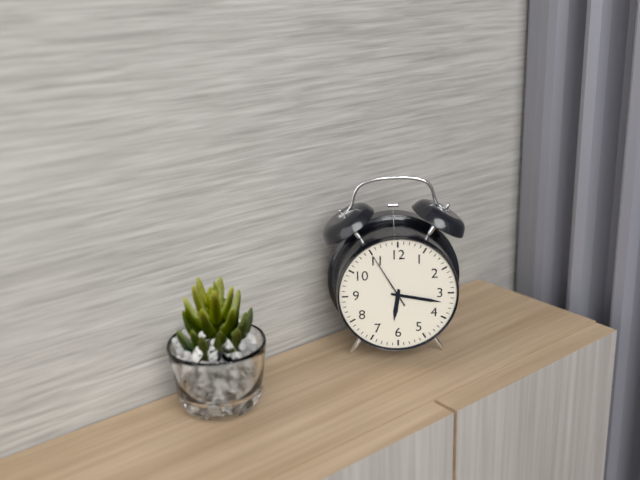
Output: **6:17**
